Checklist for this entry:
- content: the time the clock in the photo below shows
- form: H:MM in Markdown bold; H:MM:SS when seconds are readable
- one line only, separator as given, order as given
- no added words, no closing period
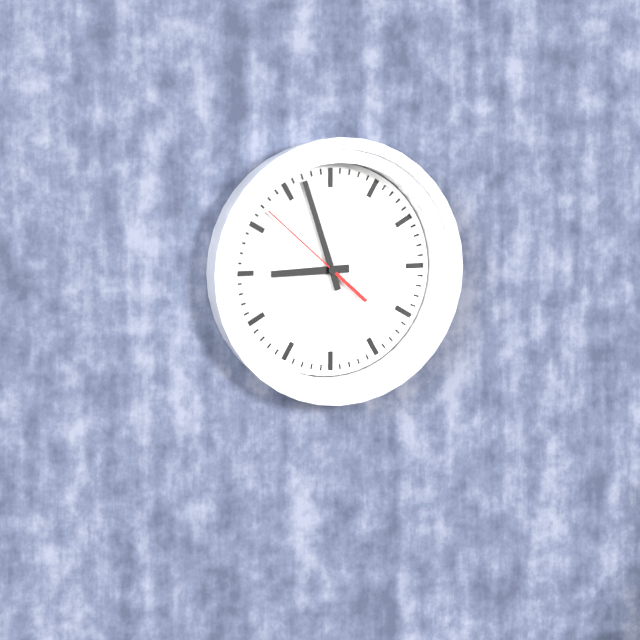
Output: **8:57:52**
